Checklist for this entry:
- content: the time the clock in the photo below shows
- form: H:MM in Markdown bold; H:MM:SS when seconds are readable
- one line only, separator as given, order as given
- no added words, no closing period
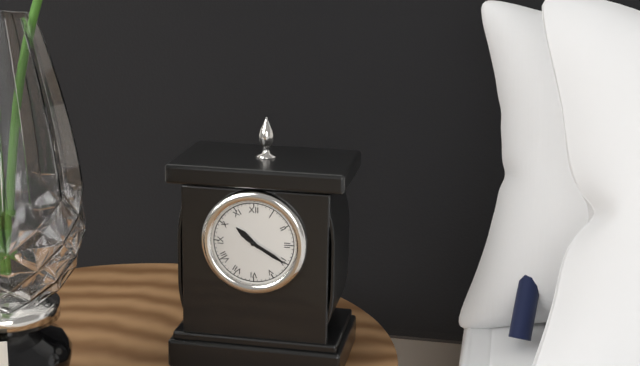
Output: **10:20**
